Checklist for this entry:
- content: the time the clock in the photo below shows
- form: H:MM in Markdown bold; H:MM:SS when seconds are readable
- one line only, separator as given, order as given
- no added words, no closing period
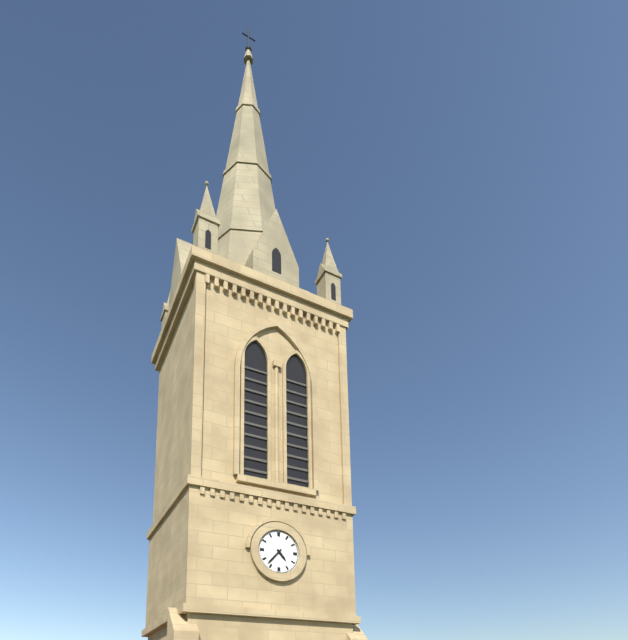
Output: **4:37**
